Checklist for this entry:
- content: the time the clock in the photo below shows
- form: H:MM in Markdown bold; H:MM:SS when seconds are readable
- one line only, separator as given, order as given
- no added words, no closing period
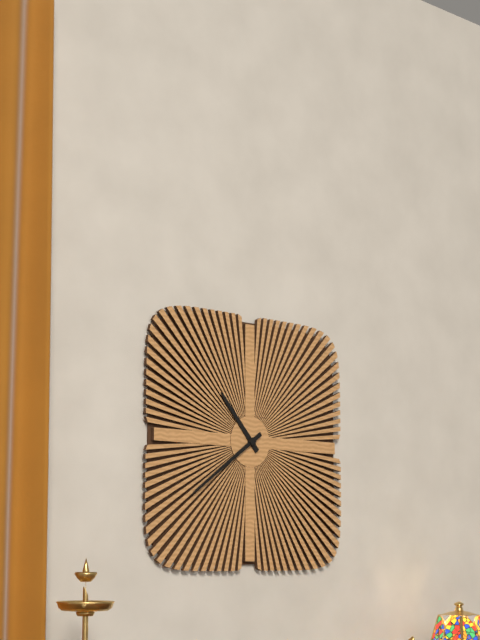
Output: **10:39**
